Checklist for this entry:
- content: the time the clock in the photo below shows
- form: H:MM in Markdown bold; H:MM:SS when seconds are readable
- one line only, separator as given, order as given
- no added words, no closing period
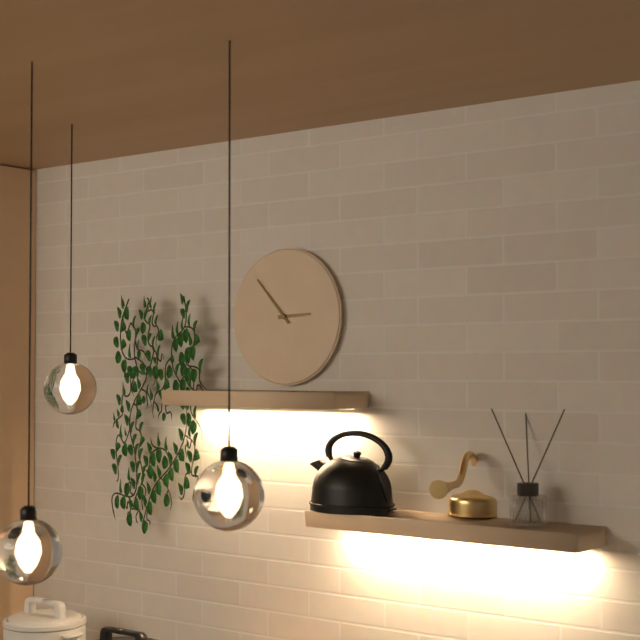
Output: **2:53**
